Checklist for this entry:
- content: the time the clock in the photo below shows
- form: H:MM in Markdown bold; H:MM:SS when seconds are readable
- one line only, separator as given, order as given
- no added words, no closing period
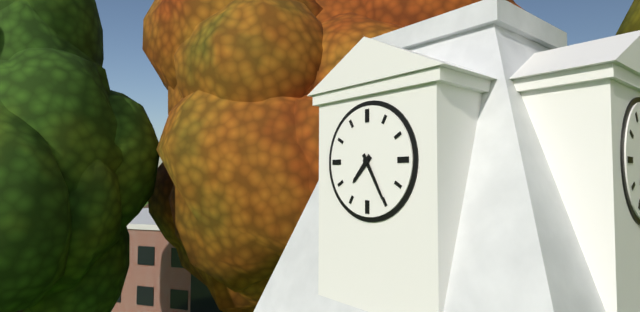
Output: **7:25**
